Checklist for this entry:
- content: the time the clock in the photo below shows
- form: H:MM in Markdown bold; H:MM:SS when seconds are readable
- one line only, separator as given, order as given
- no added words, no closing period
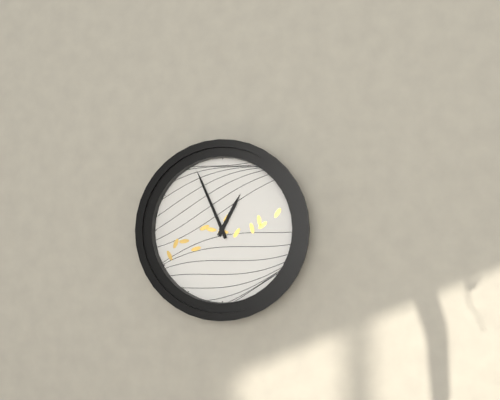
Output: **12:56**
